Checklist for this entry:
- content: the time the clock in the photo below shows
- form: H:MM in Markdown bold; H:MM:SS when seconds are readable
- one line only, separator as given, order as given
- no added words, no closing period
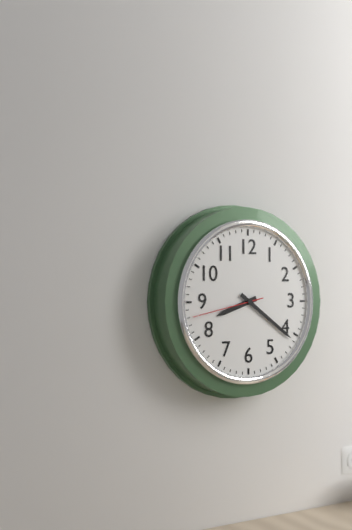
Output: **8:21:43**
